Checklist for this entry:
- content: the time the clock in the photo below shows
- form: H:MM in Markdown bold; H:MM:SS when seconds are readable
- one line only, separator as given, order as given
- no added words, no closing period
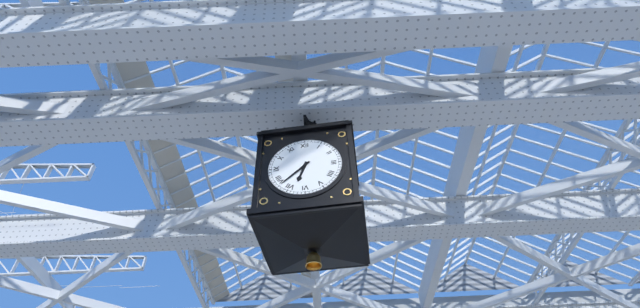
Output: **6:38**
